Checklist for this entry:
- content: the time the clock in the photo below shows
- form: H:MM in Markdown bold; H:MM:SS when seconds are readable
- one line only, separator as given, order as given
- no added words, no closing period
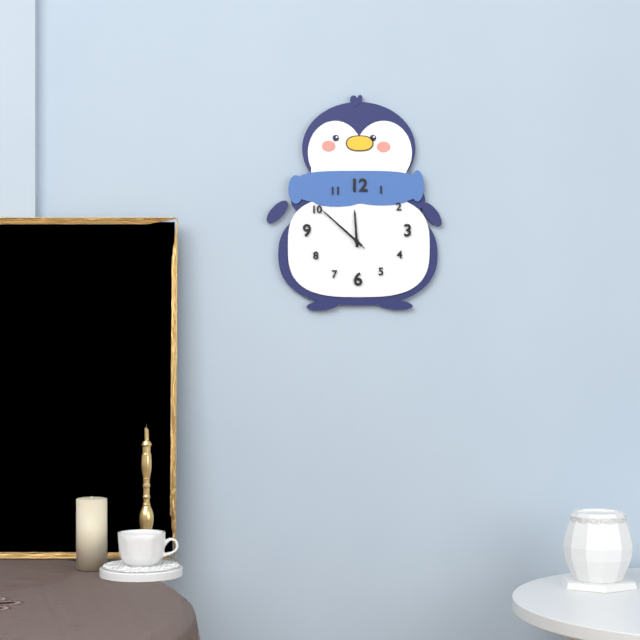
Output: **11:52:52**
